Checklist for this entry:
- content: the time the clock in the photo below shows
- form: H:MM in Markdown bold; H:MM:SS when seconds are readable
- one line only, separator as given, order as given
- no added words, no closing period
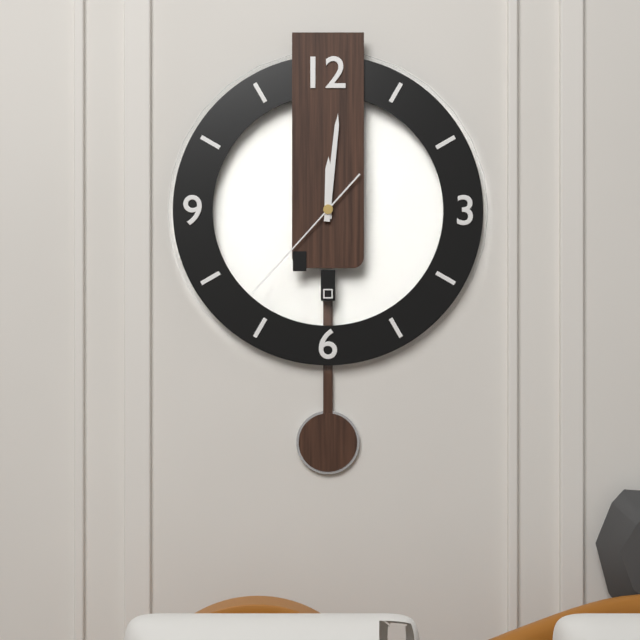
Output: **12:01:37**
